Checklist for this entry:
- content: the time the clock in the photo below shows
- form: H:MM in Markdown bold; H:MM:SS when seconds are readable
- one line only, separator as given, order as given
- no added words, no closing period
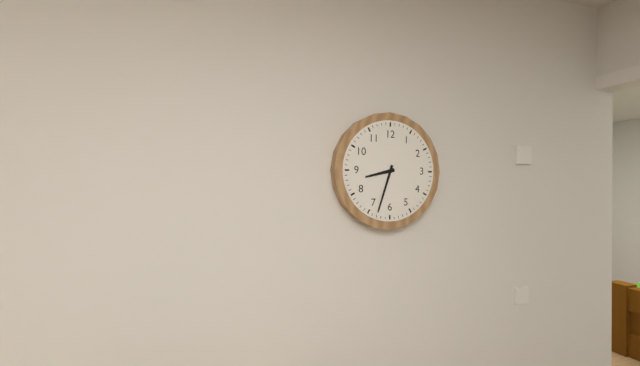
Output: **8:33**
